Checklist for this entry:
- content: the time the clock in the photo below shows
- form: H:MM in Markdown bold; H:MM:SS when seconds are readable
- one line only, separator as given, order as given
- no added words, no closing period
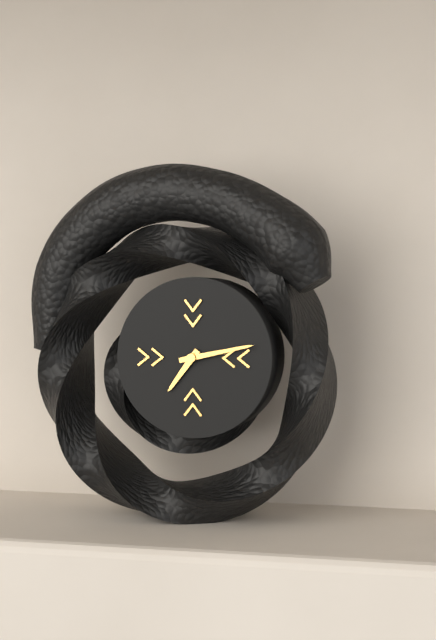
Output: **7:13**
